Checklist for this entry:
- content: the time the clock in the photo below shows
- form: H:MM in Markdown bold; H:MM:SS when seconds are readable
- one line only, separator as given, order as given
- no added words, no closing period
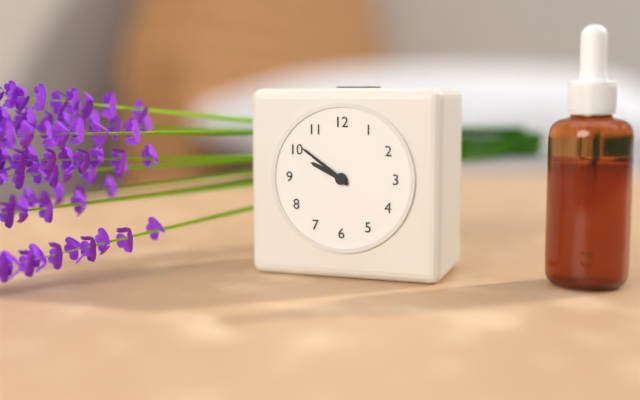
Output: **9:51**
